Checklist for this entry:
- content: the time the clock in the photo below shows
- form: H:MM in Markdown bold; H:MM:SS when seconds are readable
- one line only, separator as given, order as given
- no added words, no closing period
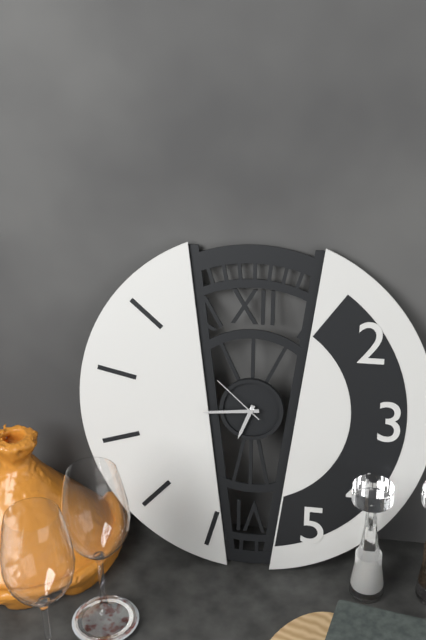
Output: **6:44:52**
